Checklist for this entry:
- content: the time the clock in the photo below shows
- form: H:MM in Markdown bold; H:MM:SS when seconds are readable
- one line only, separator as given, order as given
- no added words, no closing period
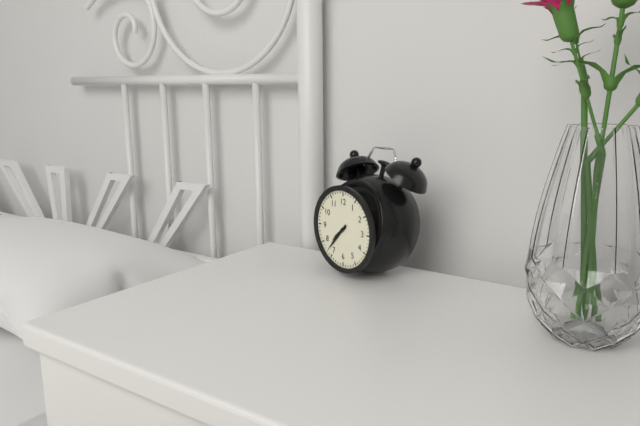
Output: **7:37**
